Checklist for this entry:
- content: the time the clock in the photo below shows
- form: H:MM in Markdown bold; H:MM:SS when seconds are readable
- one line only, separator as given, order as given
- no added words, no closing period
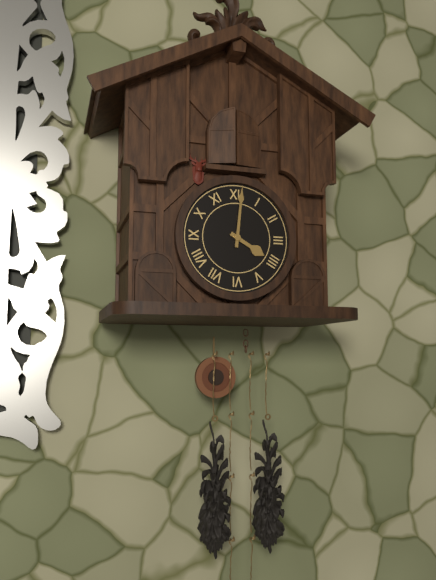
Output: **4:01**
